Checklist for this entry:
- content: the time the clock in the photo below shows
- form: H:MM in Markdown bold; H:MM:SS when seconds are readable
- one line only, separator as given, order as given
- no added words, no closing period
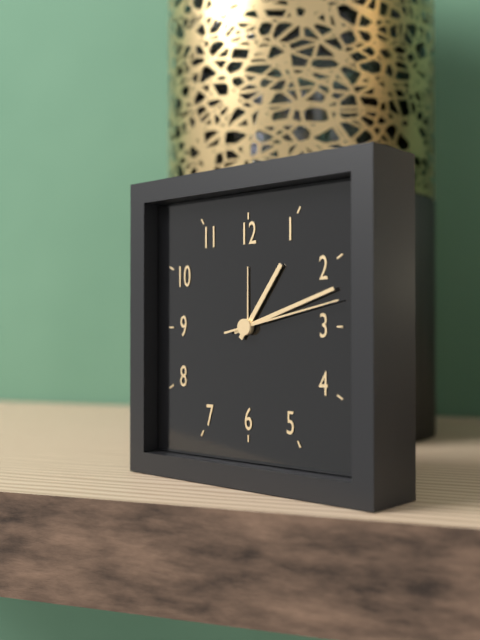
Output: **1:12:13**
